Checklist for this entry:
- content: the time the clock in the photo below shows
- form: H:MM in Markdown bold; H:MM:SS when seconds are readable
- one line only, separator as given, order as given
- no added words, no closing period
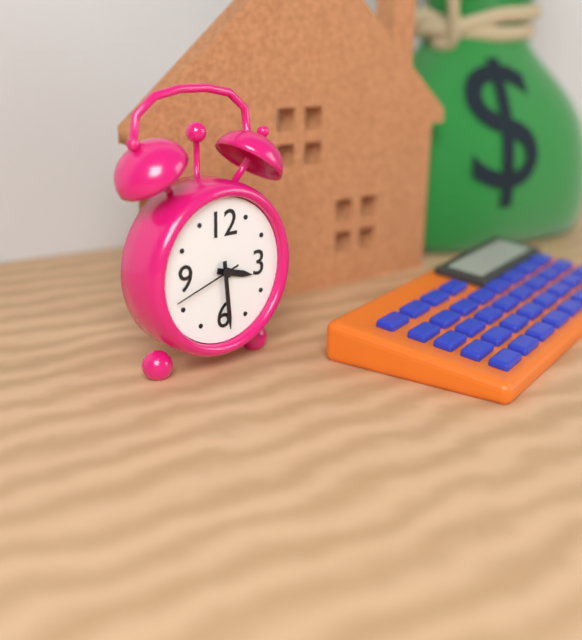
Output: **3:29:42**
